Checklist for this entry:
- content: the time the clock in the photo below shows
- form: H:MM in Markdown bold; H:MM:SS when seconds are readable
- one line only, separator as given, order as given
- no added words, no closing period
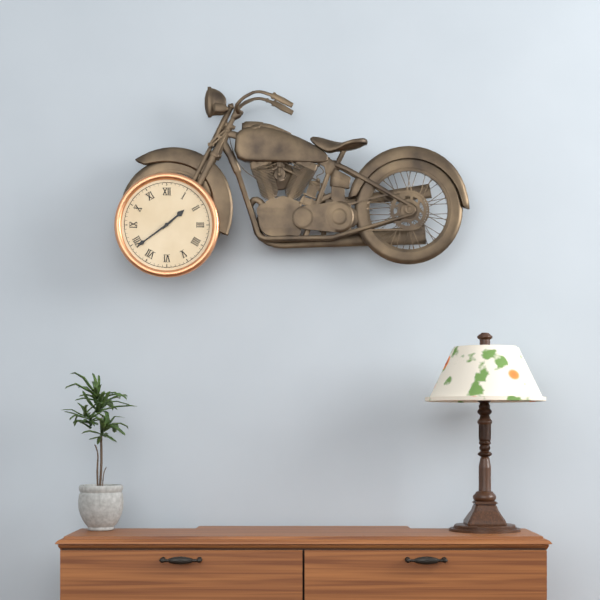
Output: **1:39**
